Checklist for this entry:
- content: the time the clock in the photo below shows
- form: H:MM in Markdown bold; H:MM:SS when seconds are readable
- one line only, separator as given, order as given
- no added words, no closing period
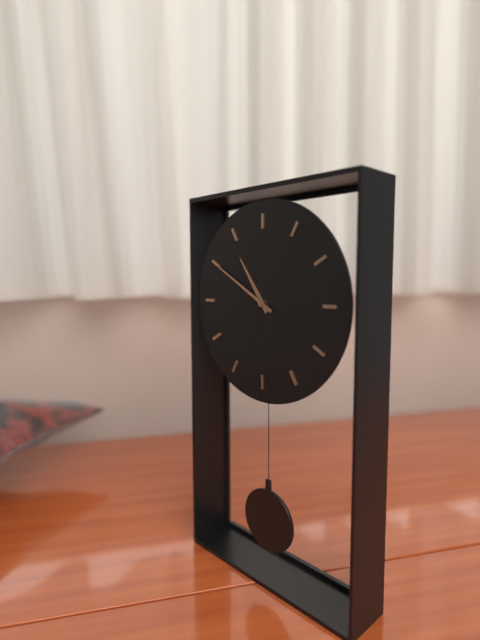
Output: **10:50**
